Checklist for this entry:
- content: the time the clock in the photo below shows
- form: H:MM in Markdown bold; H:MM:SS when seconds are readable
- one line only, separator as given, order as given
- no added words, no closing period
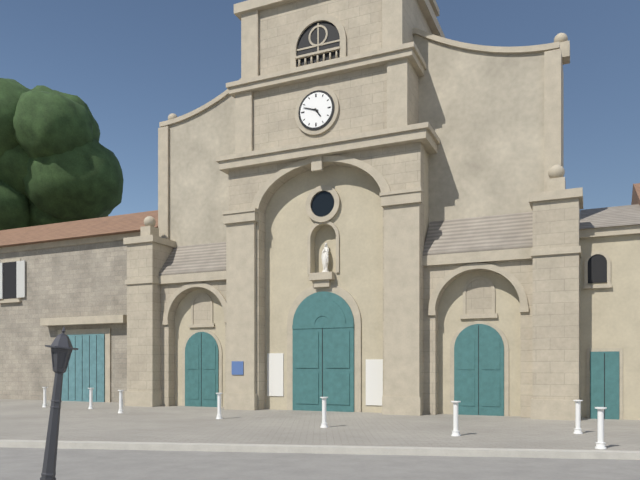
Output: **4:48**
